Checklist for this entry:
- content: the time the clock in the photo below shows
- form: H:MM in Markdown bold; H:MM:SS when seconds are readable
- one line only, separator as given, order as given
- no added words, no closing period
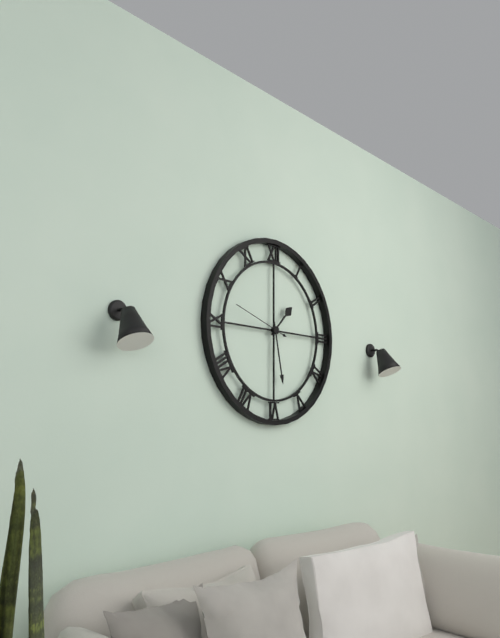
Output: **1:28:48**
